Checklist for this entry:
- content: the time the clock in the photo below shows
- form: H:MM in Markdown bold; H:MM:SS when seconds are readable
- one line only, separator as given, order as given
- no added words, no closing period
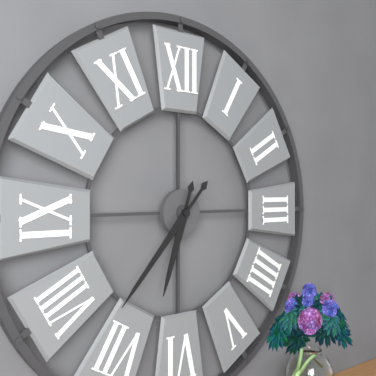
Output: **6:37**
